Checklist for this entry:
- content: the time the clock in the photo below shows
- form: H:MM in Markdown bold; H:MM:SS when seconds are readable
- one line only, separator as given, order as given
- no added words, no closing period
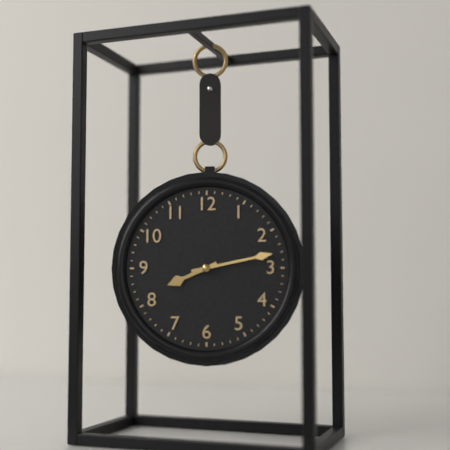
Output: **8:13**
